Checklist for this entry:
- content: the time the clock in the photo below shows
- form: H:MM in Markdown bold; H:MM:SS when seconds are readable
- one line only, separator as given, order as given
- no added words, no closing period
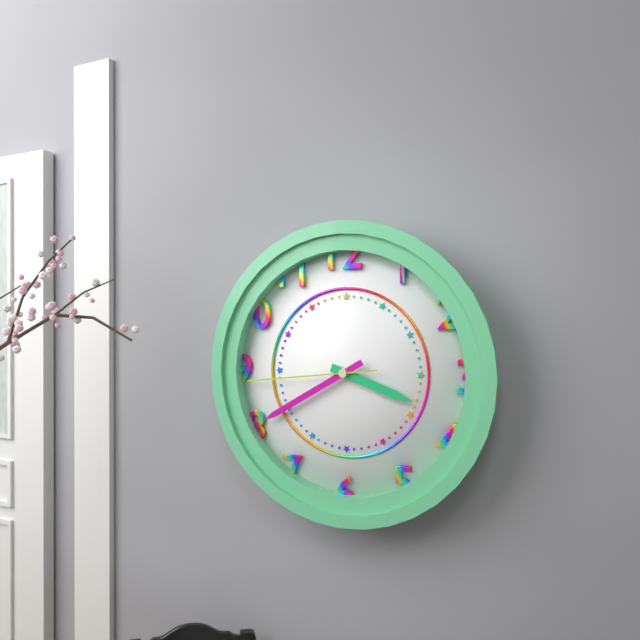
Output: **3:40:44**
